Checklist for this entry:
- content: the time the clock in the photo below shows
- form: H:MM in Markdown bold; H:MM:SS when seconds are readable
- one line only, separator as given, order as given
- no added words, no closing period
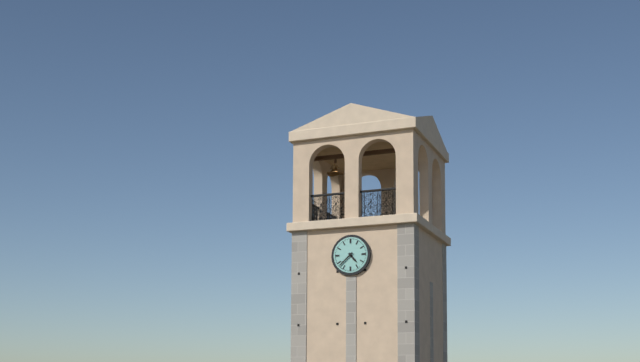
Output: **4:38**
